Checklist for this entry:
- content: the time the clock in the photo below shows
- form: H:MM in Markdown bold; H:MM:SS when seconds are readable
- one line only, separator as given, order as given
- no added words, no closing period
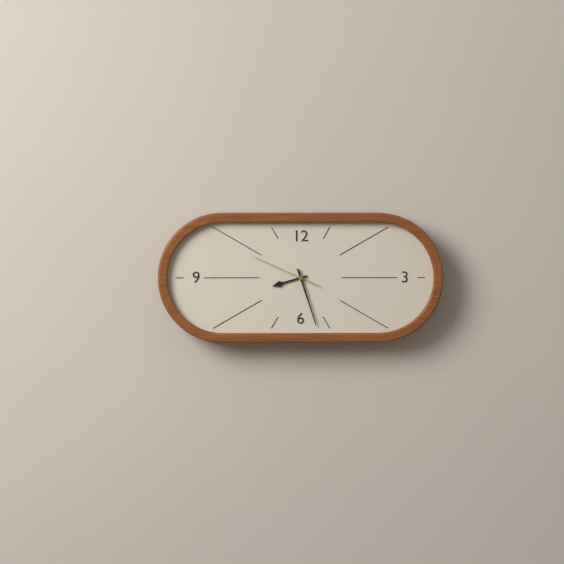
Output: **8:27:49**
